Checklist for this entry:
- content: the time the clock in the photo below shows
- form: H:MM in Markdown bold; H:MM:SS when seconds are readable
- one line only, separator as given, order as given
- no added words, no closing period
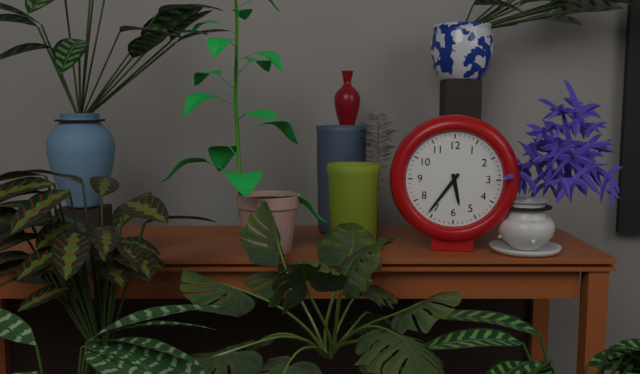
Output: **5:36**
